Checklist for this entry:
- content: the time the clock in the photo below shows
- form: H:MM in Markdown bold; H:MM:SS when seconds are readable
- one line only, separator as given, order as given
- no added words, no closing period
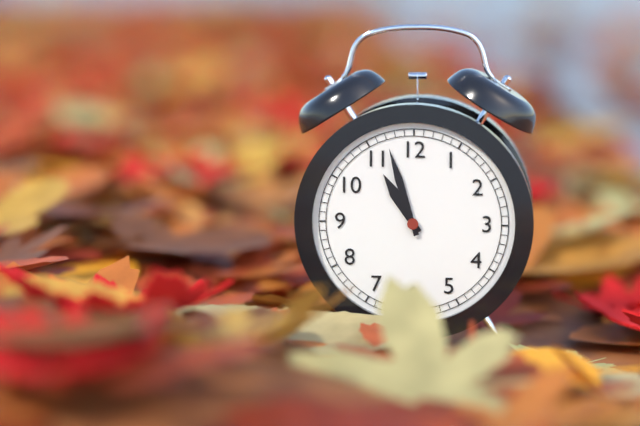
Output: **10:57**
